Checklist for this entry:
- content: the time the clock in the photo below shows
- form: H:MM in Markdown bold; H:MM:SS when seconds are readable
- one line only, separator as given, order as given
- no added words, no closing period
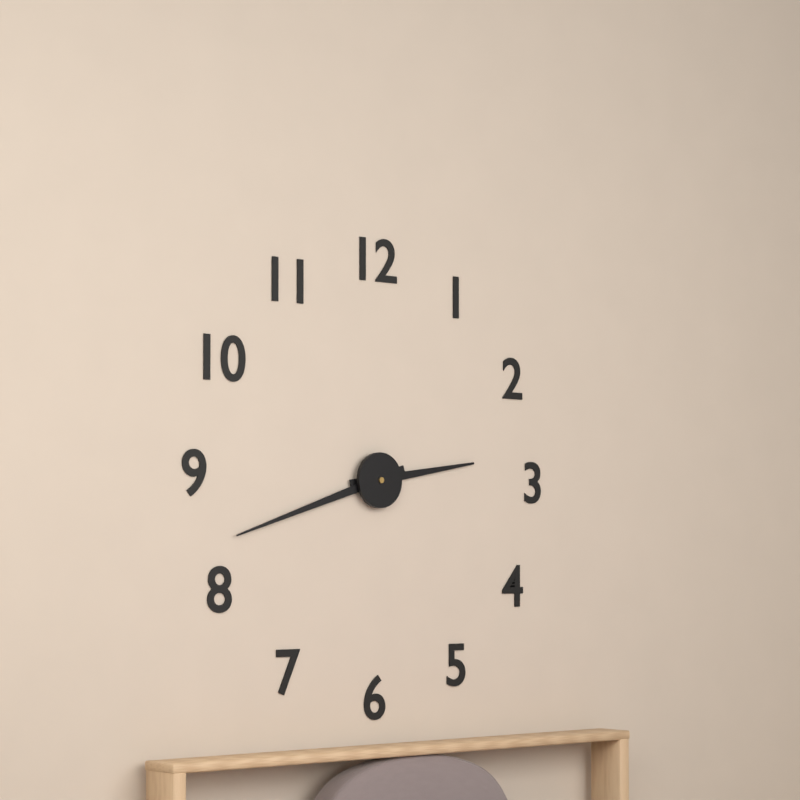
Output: **2:42**
